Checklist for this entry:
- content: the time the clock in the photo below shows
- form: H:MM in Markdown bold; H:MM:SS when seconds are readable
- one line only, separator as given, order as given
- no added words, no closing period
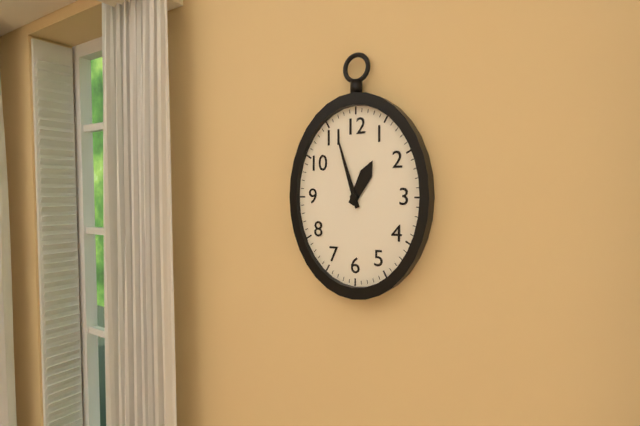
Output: **12:57**
